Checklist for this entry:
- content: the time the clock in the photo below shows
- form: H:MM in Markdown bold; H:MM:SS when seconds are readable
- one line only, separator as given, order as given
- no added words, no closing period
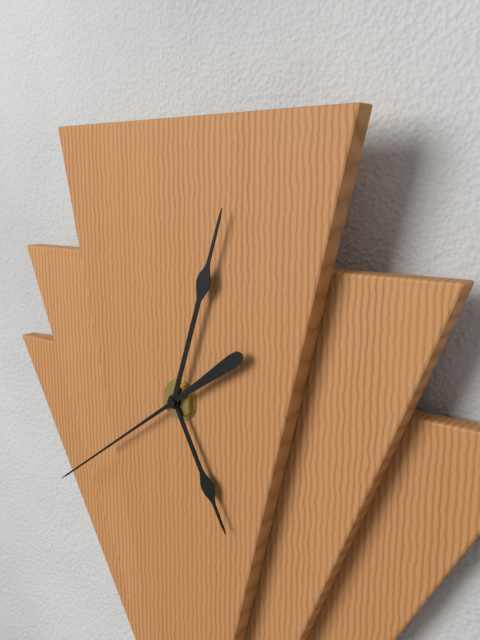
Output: **5:03:39**
